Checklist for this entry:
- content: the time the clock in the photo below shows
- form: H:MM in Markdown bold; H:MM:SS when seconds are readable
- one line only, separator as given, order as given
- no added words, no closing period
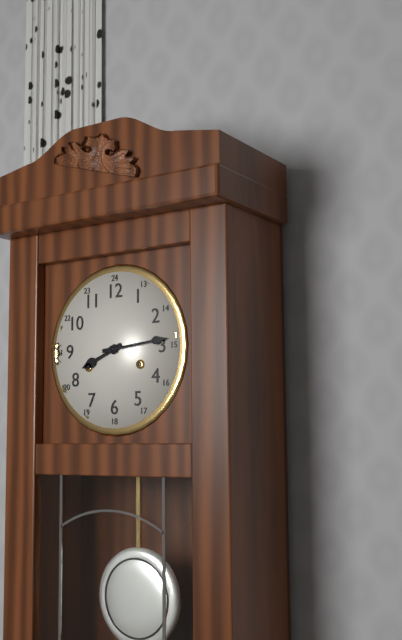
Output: **8:14**
